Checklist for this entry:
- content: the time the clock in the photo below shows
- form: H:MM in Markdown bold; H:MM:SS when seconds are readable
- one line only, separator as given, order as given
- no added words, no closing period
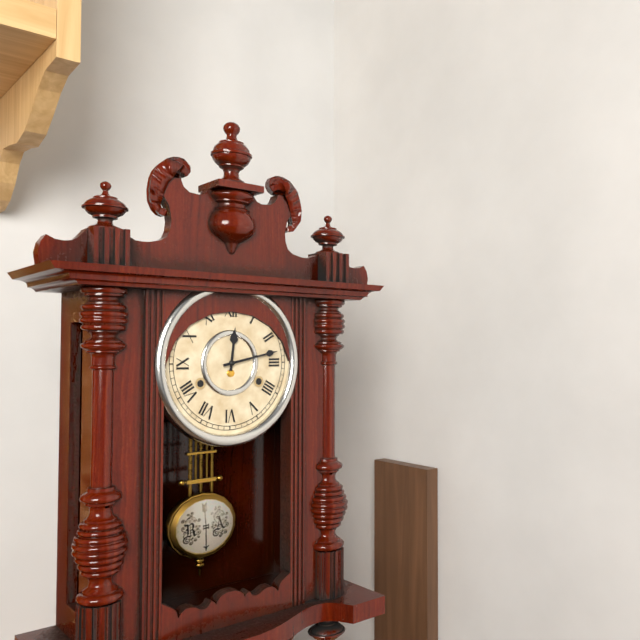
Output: **12:13**
